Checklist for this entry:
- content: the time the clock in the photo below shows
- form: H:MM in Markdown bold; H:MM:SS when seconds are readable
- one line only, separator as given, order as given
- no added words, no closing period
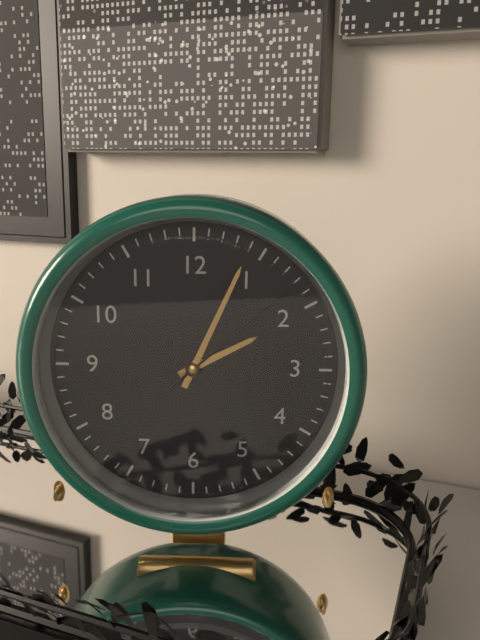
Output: **2:04:08**
